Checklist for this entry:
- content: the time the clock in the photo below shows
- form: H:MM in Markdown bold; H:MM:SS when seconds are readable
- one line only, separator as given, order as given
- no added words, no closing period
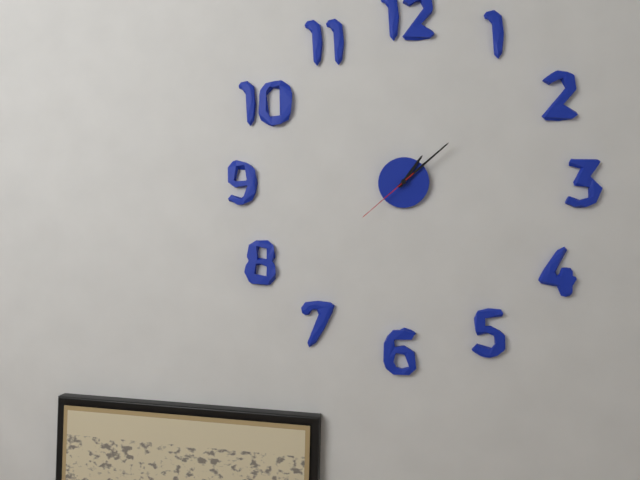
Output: **1:08:38**
